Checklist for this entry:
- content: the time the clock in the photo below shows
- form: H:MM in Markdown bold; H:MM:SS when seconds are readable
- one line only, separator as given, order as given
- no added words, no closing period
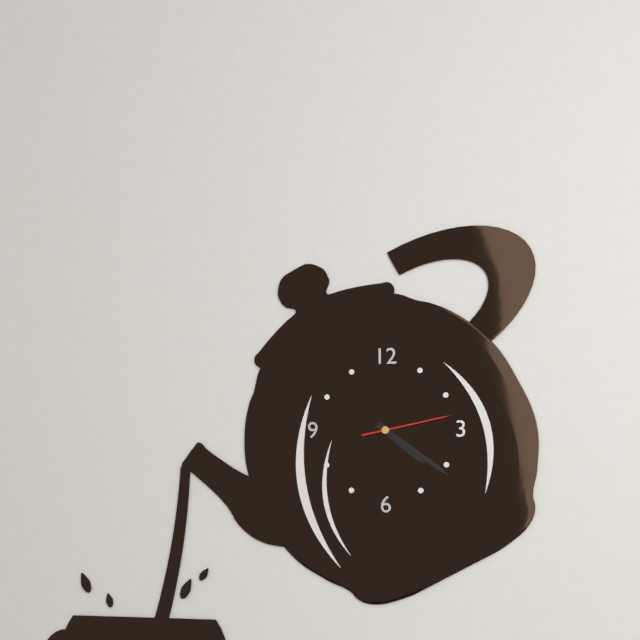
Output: **4:21:13**
